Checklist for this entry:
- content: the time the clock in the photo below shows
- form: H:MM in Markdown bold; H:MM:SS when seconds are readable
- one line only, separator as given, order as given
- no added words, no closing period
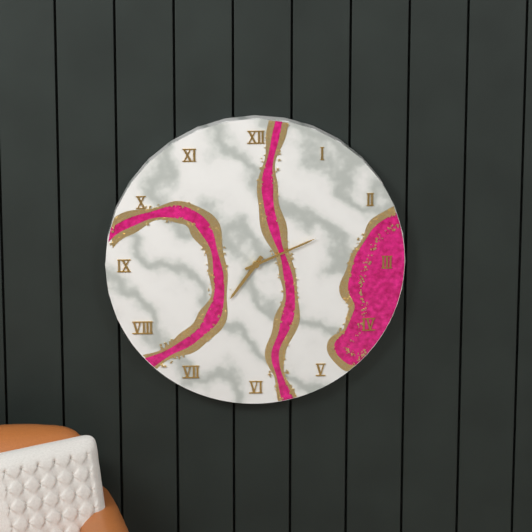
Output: **7:11**
